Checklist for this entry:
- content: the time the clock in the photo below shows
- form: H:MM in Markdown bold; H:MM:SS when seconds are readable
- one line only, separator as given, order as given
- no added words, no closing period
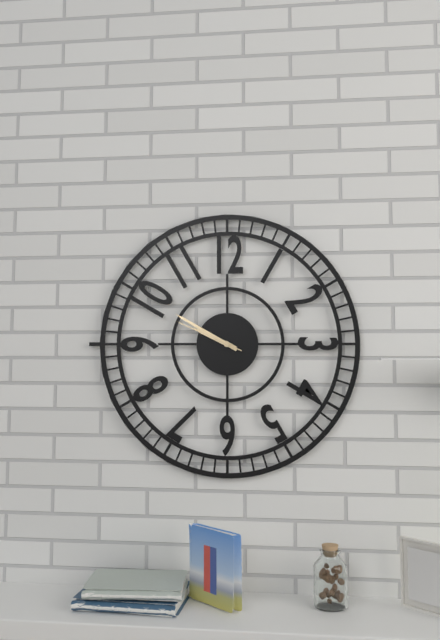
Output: **9:50:49**
